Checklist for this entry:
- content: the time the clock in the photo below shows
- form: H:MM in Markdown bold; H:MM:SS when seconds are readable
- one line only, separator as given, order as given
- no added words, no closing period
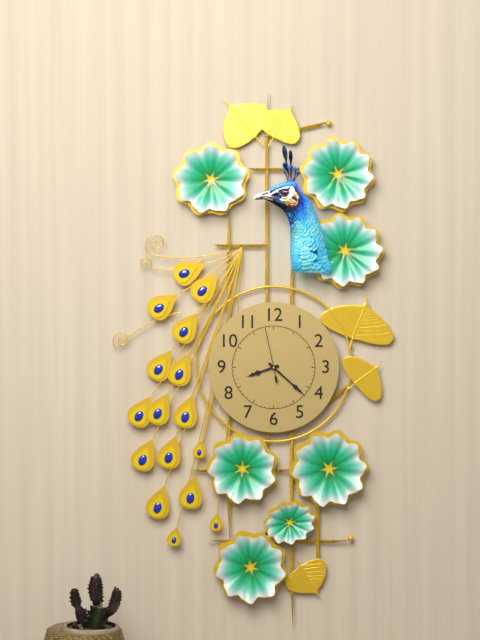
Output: **8:22:58**
